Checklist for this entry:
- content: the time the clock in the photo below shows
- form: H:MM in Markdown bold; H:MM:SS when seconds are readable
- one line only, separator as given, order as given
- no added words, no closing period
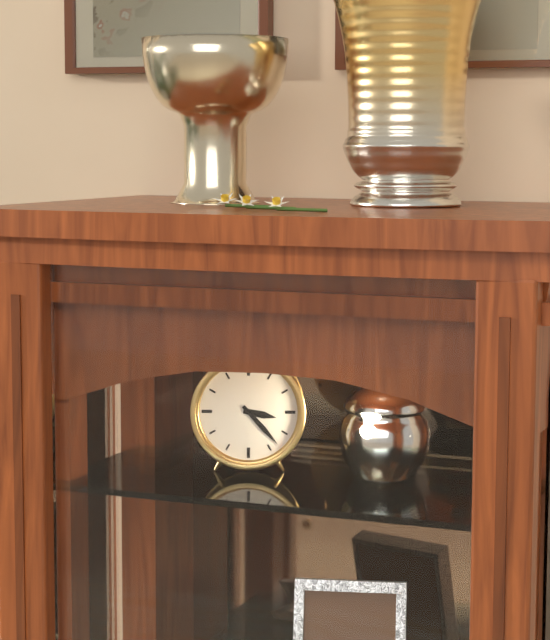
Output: **3:23**
